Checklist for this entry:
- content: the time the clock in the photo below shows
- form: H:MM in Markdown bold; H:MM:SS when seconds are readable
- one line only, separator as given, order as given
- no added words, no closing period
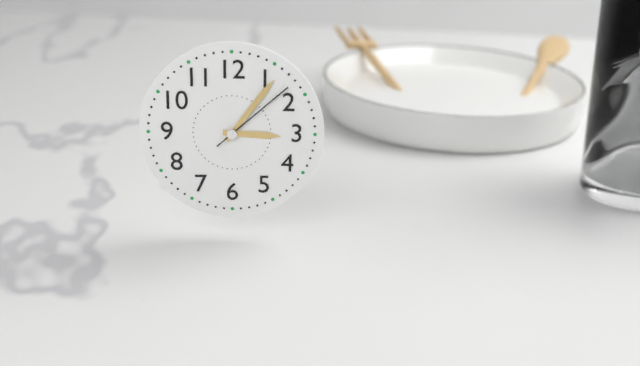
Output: **3:06:08**
